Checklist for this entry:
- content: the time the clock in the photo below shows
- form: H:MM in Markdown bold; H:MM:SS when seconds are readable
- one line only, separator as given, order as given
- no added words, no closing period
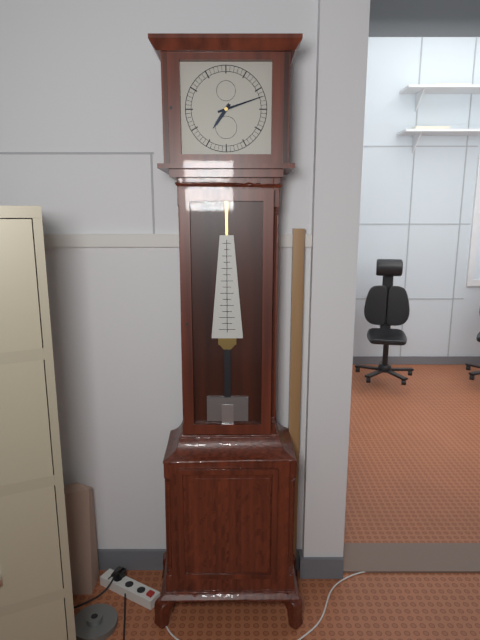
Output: **7:12**
